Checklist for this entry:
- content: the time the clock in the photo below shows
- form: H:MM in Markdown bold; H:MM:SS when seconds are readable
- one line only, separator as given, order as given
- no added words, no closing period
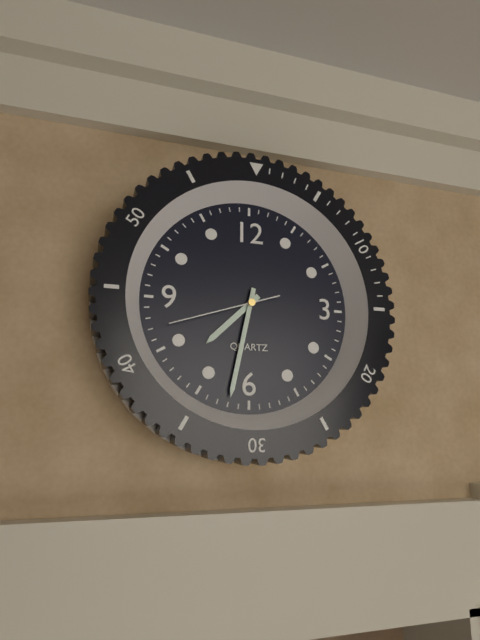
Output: **7:32:42**
